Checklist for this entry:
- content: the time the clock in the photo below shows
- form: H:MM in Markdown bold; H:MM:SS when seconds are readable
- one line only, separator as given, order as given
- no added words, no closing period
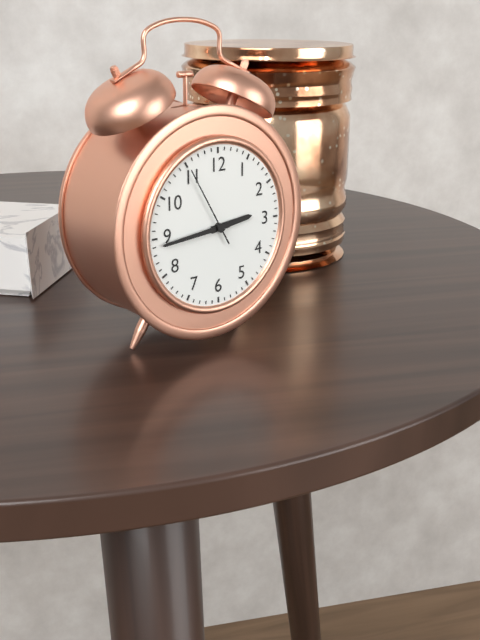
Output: **2:44:55**
